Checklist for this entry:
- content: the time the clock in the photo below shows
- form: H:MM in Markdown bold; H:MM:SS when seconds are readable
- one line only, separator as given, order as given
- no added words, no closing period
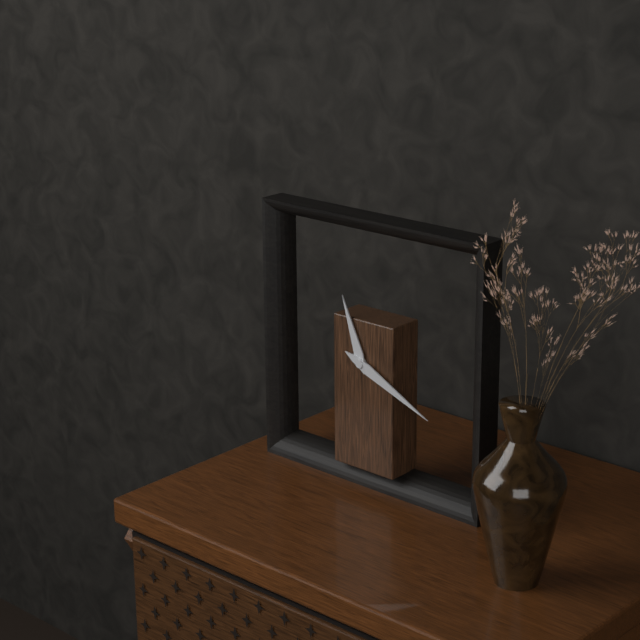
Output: **11:19**
